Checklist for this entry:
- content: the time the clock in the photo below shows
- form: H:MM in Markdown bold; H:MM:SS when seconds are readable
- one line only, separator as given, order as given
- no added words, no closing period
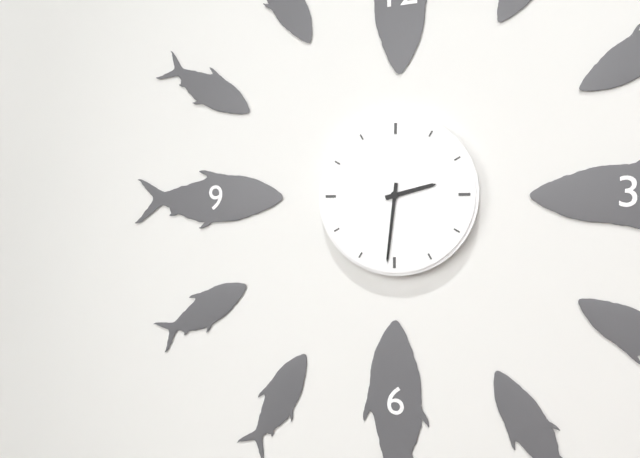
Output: **2:31**
